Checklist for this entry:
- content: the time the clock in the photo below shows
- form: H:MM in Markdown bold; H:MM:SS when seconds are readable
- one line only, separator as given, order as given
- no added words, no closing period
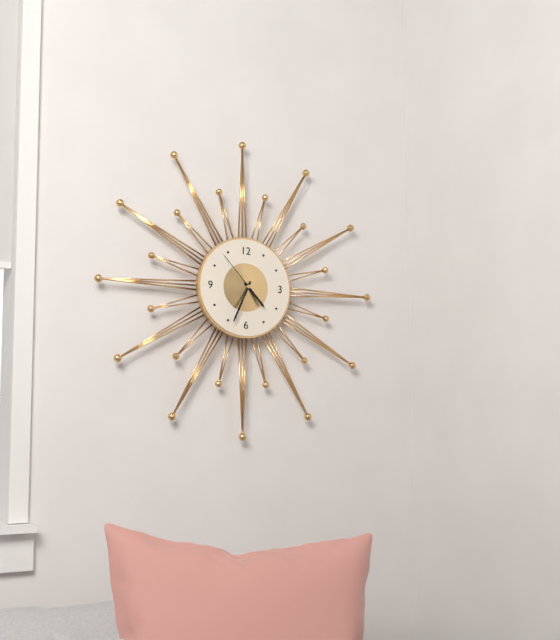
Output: **4:34:53**
